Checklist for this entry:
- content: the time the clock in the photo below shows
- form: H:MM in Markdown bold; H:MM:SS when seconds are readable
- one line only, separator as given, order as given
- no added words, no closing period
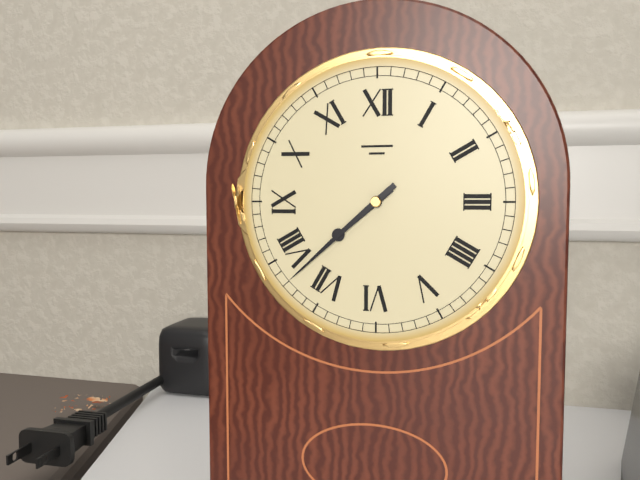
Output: **7:38**
